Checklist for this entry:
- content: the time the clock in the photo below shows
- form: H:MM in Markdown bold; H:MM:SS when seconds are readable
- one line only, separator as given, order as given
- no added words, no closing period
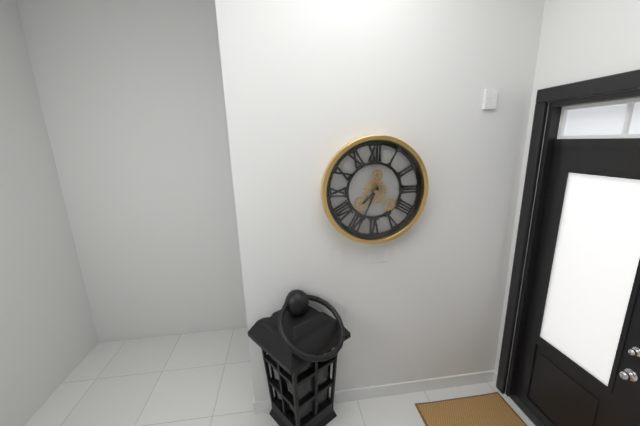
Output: **7:34**
